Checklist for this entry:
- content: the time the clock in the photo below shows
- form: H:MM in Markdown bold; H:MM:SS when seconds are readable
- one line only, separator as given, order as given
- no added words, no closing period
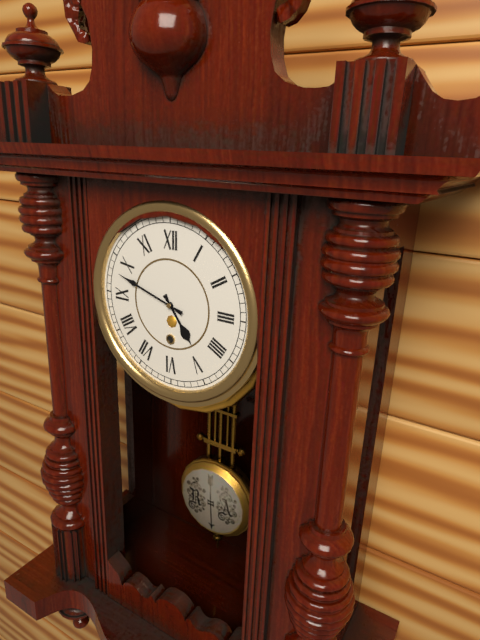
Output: **4:48**
